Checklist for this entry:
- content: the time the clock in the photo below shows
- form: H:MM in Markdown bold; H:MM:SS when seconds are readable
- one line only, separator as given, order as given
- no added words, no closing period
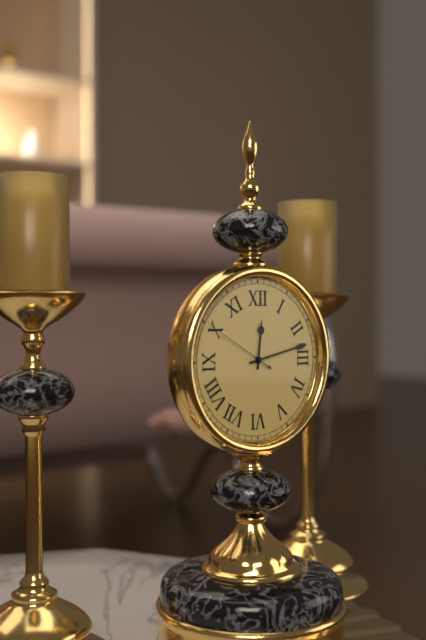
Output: **12:13:50**
